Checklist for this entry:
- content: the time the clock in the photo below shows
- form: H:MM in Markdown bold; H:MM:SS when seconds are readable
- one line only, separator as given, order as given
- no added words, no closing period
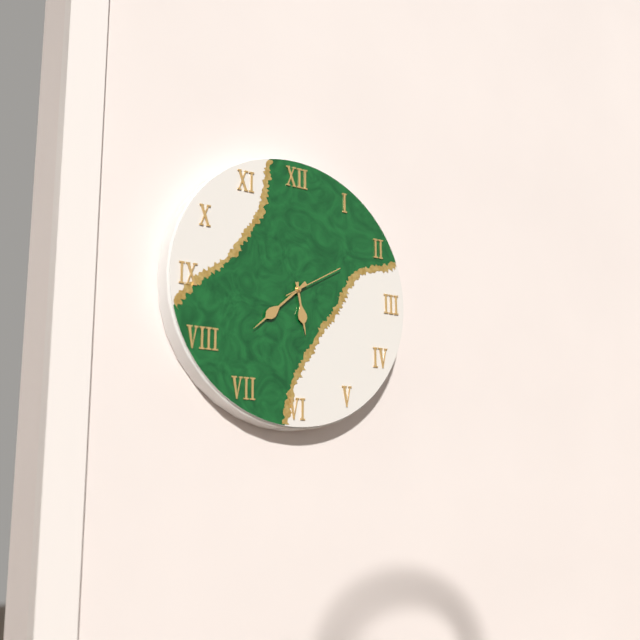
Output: **5:38:10**
